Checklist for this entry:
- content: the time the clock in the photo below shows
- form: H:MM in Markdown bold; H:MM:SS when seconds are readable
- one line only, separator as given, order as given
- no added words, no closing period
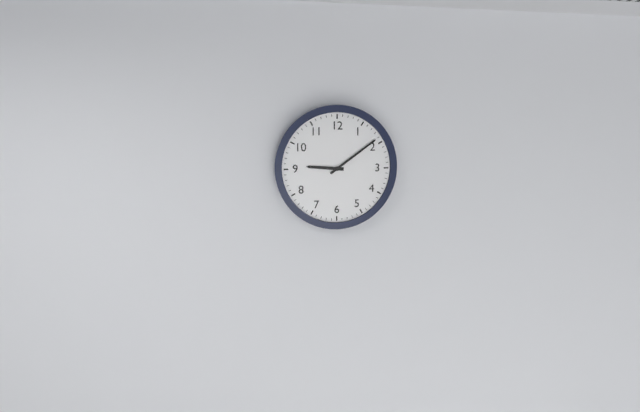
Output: **9:09**
